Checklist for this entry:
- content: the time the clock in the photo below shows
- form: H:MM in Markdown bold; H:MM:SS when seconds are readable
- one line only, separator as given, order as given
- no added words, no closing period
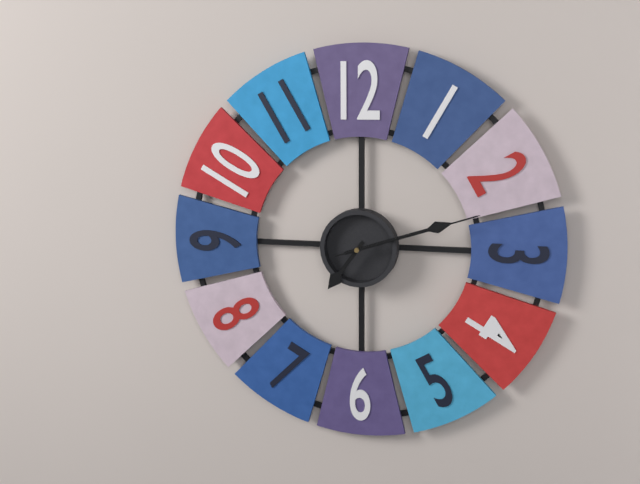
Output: **7:12:12**
